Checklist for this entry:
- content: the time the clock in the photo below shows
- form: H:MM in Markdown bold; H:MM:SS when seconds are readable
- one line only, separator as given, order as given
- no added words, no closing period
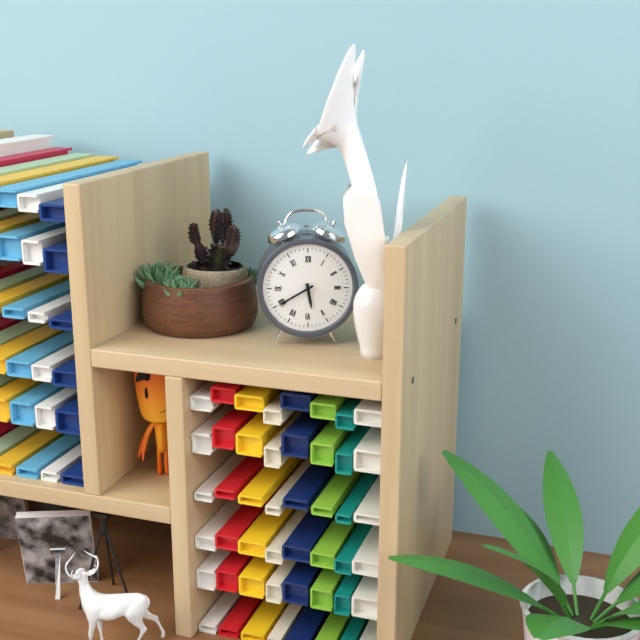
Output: **5:40**
